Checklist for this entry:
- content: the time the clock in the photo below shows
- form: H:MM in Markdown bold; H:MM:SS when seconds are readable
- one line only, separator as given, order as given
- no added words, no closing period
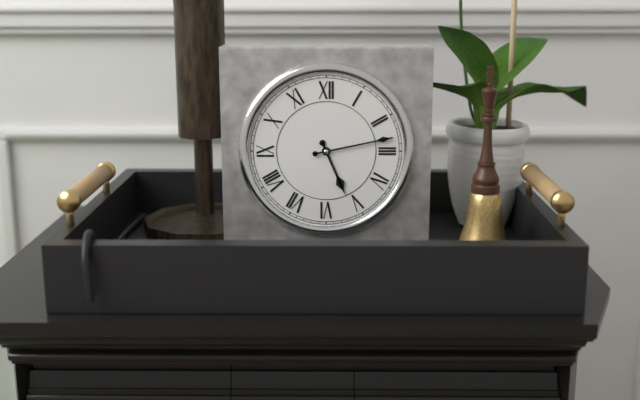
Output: **5:13**
